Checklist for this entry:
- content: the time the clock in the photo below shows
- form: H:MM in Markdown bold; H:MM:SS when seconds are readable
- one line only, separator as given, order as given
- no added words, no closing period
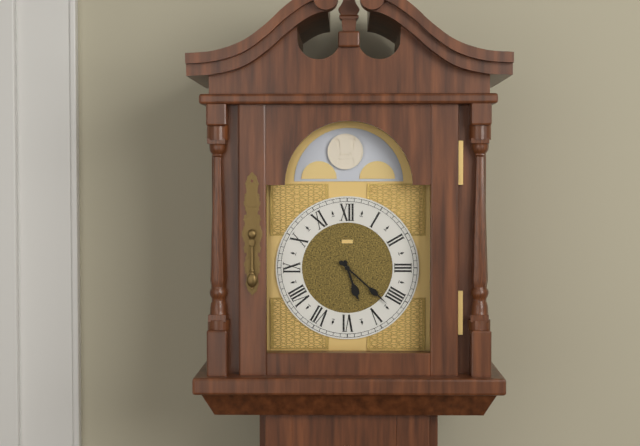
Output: **5:22**
